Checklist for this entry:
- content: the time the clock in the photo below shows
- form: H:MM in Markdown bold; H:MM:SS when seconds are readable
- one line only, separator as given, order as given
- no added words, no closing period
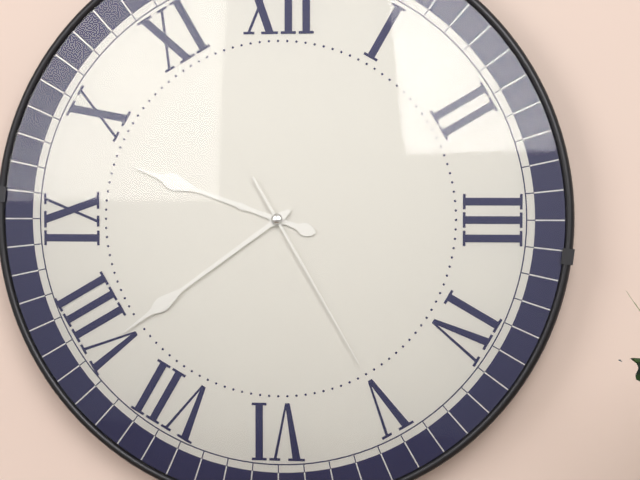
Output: **9:39:25**
